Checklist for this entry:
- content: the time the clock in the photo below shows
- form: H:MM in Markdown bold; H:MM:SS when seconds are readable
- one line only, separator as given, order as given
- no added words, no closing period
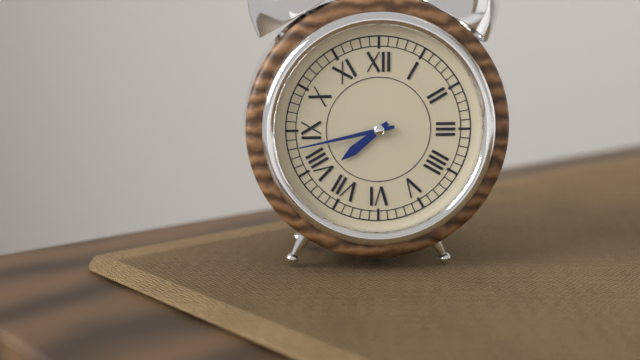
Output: **7:43**
